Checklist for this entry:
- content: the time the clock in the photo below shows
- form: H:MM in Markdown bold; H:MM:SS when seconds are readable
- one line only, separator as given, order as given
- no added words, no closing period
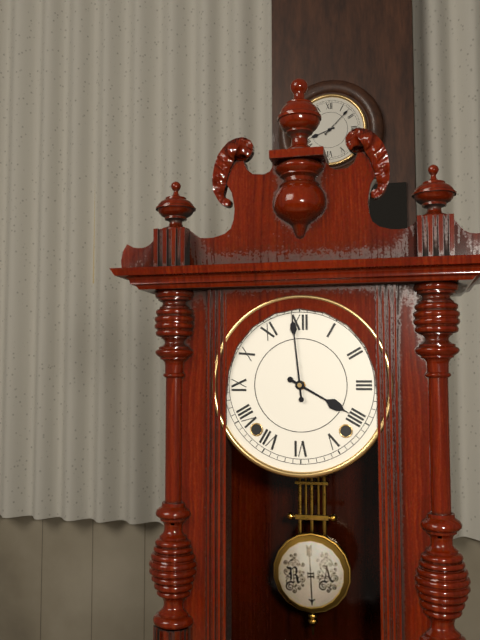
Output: **3:59**
